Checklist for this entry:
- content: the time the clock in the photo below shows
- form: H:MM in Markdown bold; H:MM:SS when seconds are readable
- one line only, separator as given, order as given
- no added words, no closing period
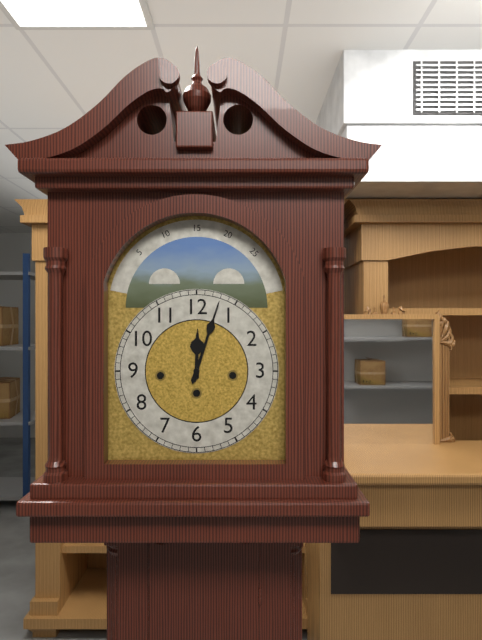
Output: **12:03**
